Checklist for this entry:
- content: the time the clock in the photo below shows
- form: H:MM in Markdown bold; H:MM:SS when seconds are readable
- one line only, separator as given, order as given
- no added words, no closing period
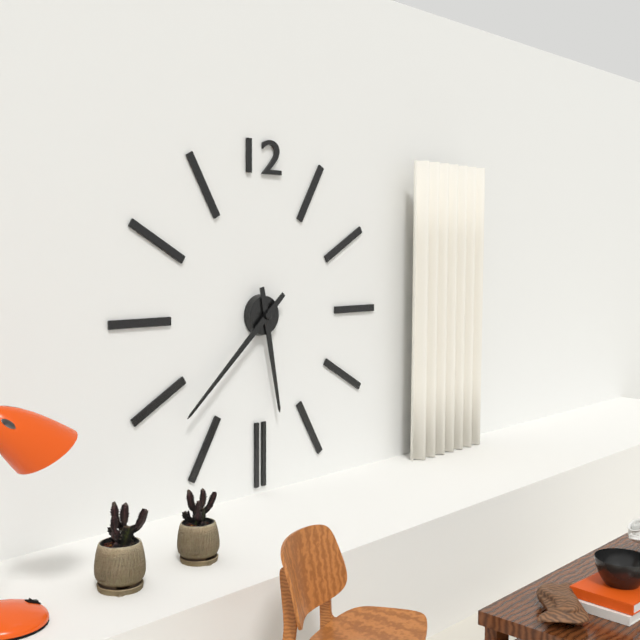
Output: **5:38**
